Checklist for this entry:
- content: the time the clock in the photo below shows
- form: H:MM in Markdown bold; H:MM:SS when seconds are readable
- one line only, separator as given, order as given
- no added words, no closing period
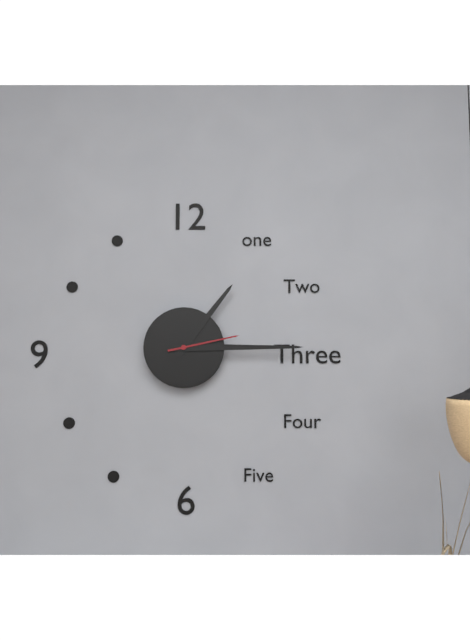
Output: **1:15:13**
